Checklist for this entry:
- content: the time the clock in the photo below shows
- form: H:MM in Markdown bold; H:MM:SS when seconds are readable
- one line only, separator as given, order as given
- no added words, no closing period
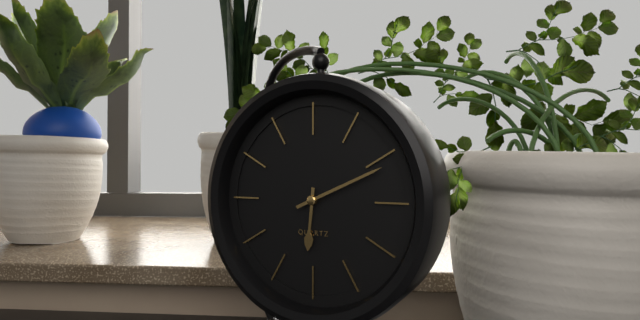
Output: **6:11**
